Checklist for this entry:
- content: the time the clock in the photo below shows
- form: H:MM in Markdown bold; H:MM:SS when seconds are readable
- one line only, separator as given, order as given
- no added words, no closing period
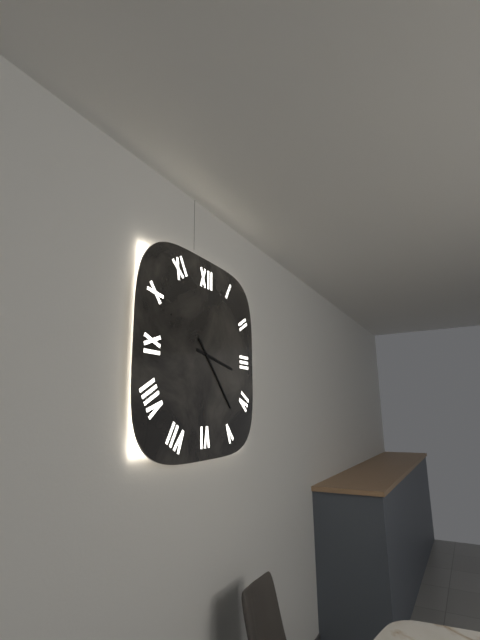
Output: **3:23**
